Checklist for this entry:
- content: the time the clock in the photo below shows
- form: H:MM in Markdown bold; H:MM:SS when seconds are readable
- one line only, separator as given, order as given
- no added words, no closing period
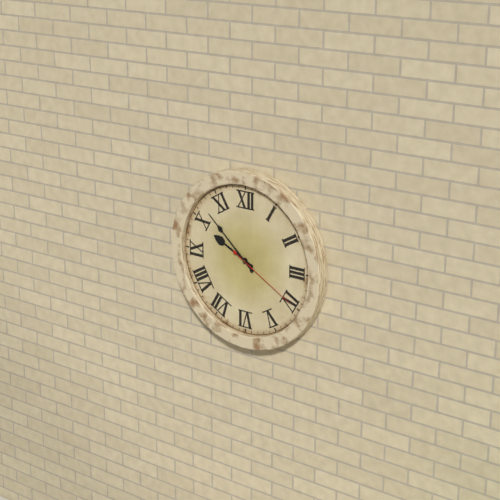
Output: **9:52:20**
